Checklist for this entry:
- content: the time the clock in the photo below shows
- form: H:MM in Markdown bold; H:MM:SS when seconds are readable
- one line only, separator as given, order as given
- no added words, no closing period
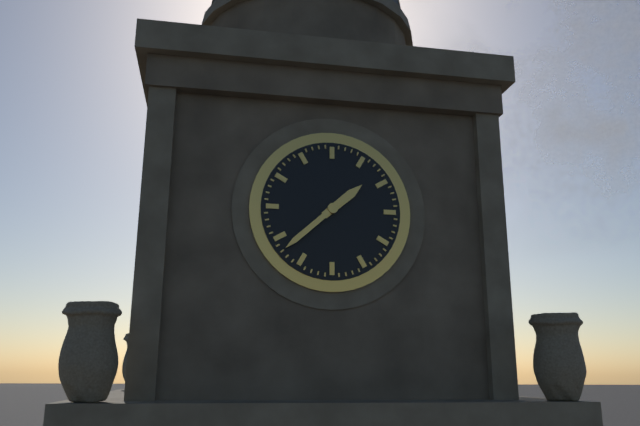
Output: **1:38**
